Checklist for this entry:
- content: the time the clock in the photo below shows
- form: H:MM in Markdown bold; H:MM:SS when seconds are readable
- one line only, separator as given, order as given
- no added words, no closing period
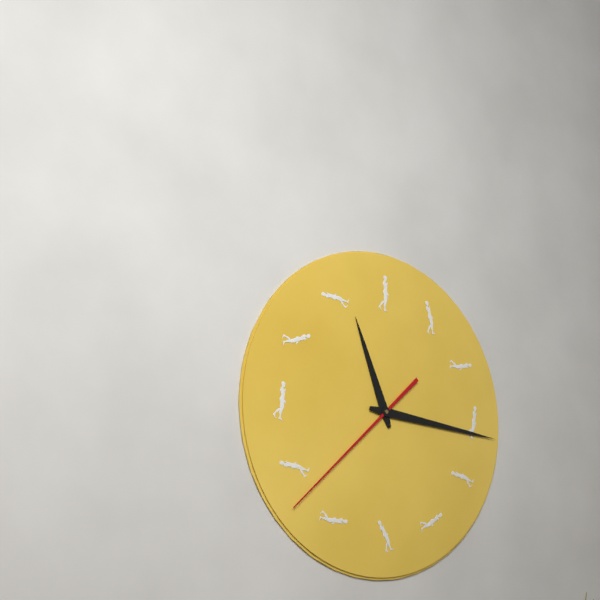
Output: **11:16:38**
